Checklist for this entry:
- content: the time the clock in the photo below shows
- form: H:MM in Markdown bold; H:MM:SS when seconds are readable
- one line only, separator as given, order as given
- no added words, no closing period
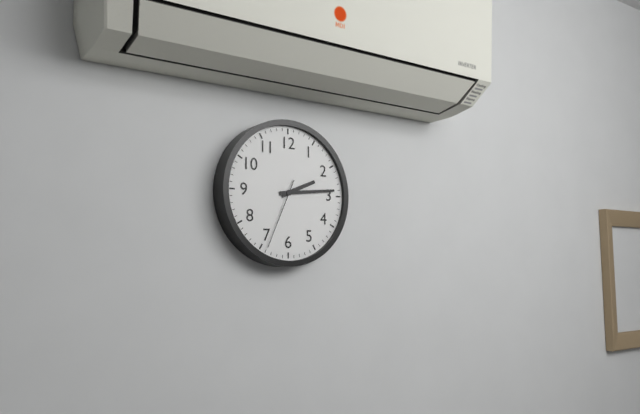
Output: **2:14:34**
